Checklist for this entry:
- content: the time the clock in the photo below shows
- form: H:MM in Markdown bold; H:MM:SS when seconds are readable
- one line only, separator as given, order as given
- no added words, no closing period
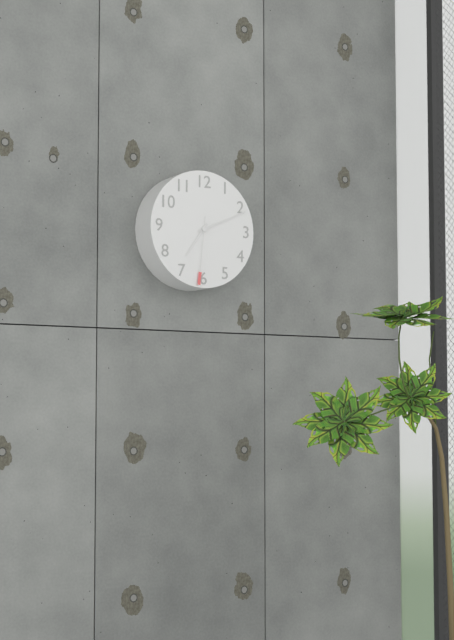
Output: **7:11:31**
